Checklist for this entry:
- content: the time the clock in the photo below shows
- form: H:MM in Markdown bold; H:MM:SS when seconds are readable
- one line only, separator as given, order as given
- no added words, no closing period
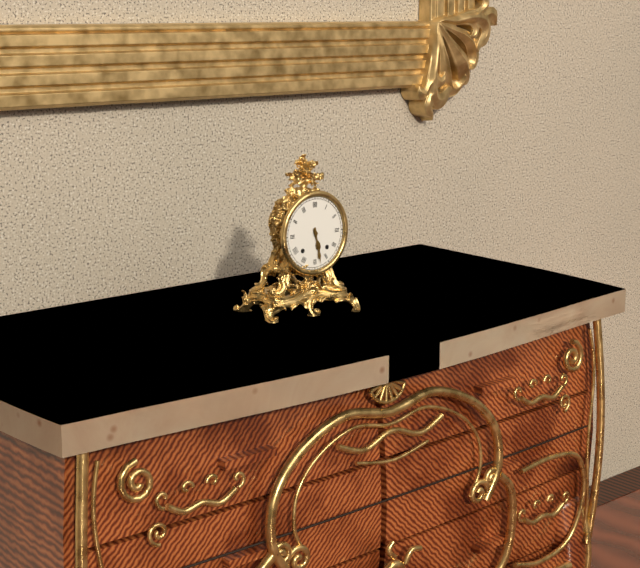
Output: **5:28**
